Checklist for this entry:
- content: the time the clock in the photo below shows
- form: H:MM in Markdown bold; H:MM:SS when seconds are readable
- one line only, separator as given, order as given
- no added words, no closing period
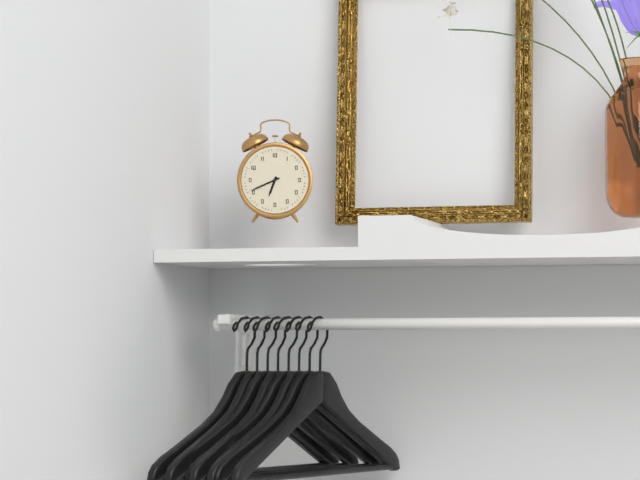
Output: **6:41**
